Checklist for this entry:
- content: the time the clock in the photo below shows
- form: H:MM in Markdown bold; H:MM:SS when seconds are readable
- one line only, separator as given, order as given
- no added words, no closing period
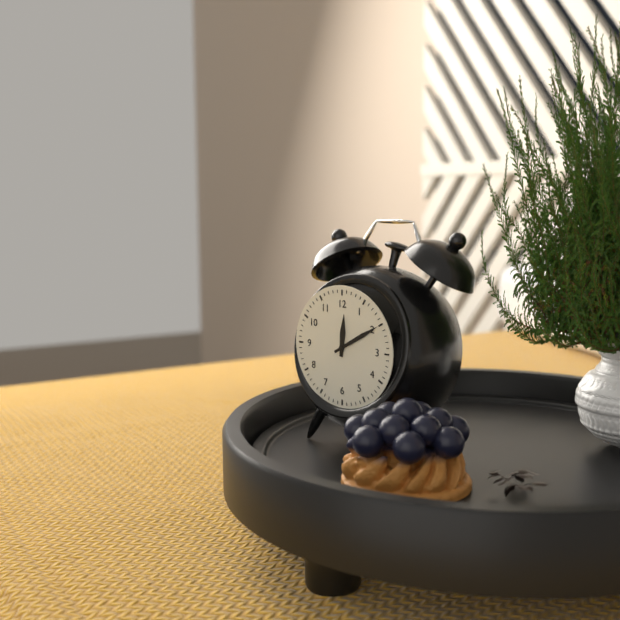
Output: **12:10**
